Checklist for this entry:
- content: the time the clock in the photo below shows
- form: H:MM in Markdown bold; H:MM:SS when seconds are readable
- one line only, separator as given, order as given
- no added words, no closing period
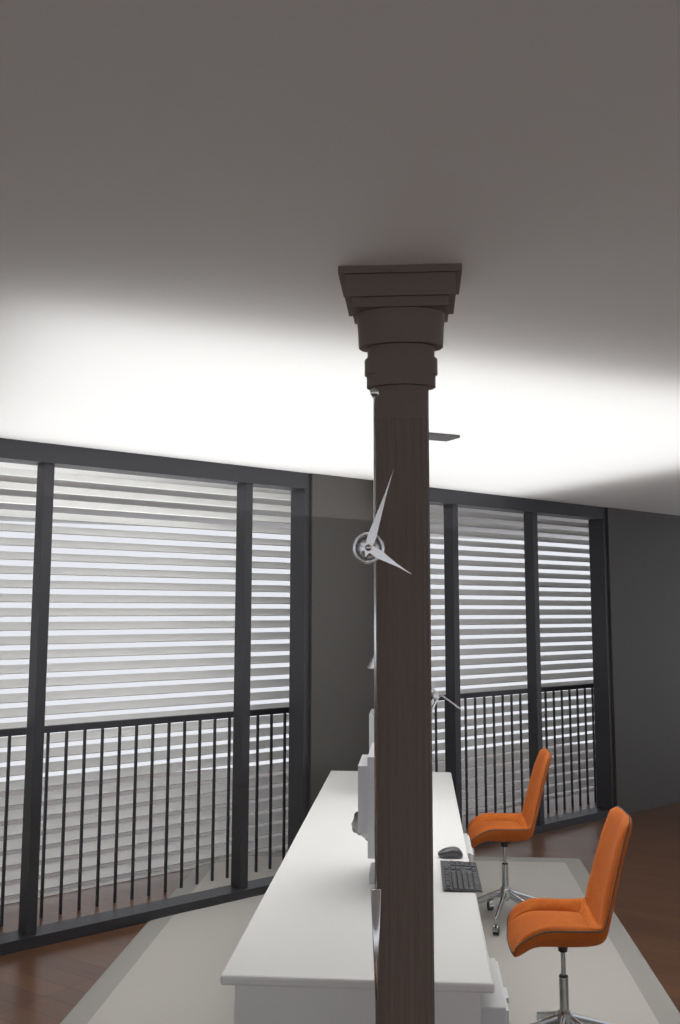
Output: **4:03**
